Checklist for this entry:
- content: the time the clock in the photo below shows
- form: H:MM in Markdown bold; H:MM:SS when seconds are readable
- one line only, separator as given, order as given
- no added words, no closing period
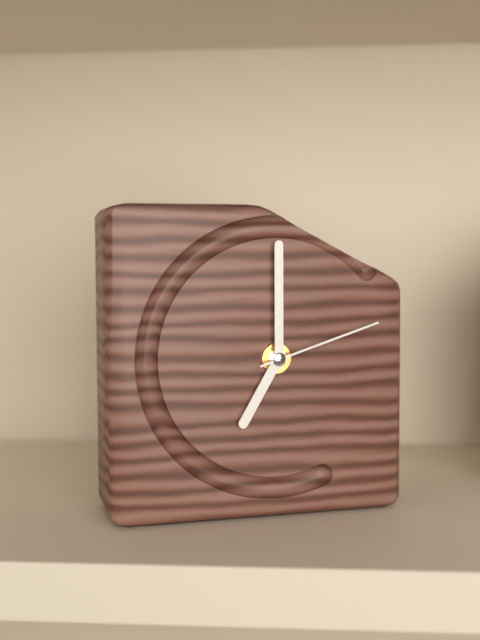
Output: **7:00:12**
